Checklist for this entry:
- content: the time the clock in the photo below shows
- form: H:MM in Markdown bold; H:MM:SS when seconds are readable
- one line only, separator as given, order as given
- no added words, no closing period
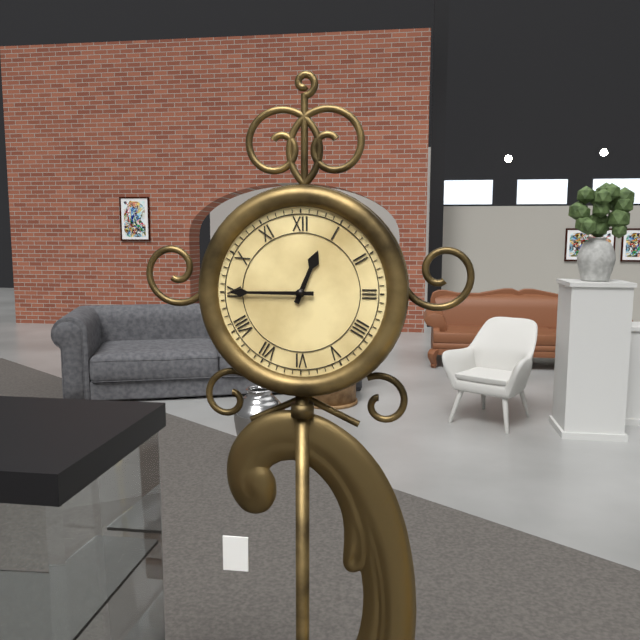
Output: **12:45**
